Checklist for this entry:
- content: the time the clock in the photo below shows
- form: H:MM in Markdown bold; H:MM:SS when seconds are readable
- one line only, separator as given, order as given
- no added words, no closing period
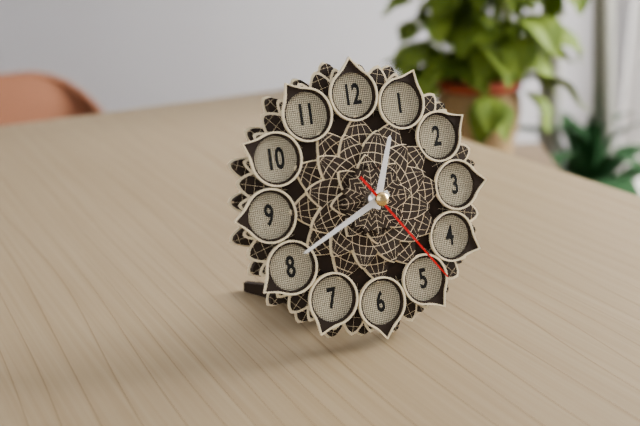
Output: **12:41:24**
